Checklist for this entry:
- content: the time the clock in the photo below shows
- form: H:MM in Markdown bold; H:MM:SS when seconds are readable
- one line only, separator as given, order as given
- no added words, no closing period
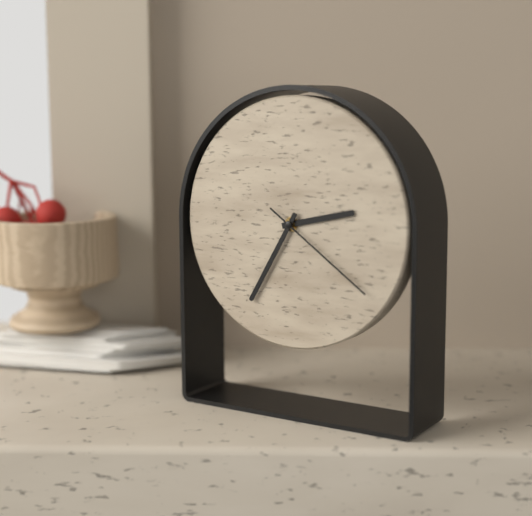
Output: **2:35:21**
